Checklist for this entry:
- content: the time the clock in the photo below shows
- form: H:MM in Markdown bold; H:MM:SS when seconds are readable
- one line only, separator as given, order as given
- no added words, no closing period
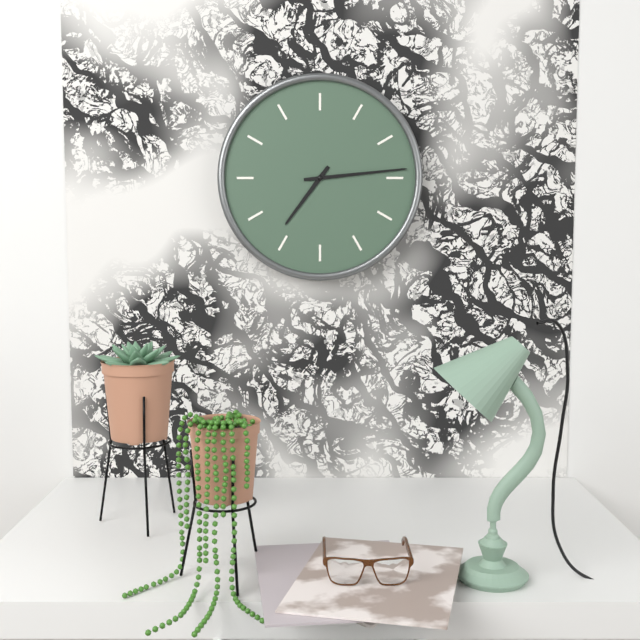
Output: **7:14**
